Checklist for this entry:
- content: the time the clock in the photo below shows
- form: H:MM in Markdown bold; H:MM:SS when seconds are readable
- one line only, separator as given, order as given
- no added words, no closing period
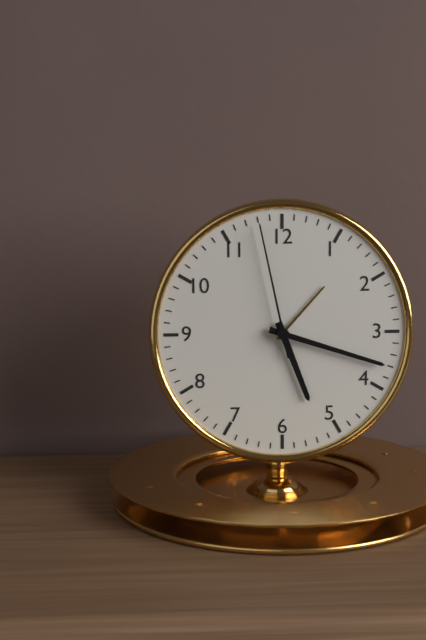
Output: **5:18:58**
